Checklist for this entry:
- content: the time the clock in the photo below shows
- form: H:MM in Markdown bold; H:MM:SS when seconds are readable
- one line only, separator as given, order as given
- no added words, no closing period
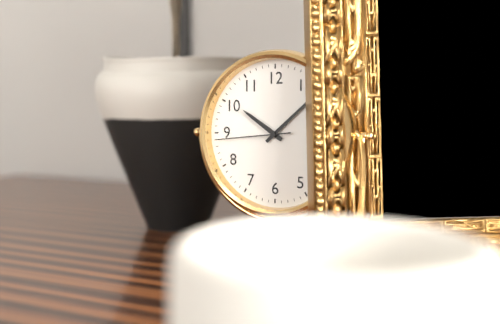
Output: **10:08:44**
